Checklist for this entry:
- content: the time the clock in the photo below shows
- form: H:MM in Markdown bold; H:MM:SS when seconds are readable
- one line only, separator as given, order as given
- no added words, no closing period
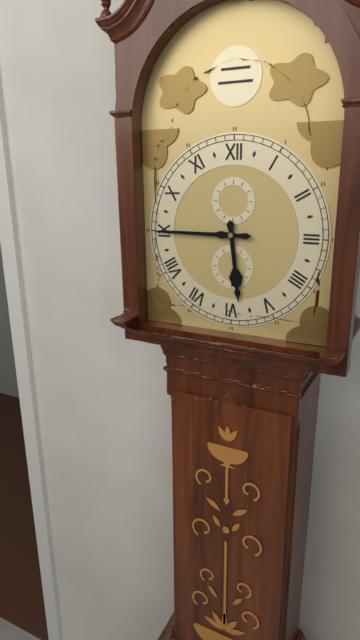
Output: **5:45**
